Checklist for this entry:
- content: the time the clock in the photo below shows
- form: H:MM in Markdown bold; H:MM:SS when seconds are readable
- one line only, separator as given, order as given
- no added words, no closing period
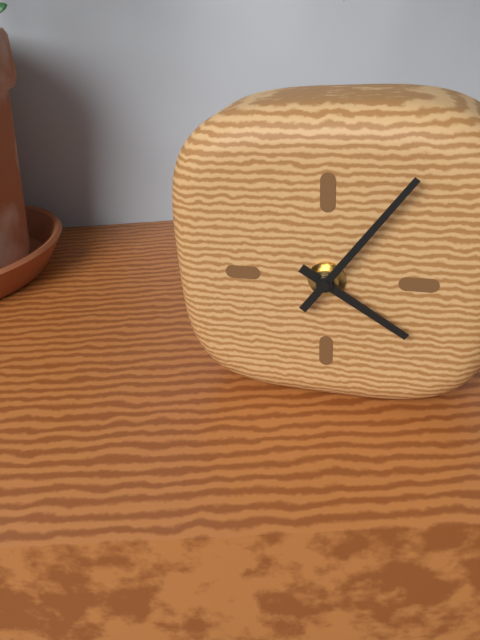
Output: **4:06**
